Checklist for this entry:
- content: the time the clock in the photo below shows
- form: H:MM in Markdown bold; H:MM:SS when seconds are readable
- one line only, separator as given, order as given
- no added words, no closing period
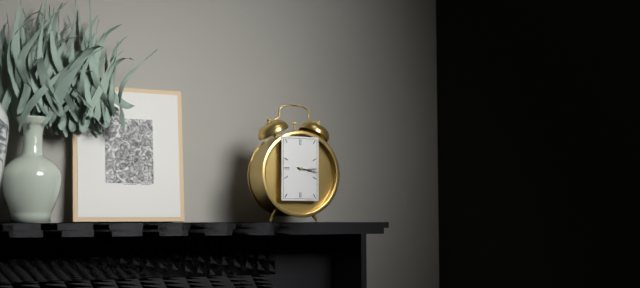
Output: **3:17**
